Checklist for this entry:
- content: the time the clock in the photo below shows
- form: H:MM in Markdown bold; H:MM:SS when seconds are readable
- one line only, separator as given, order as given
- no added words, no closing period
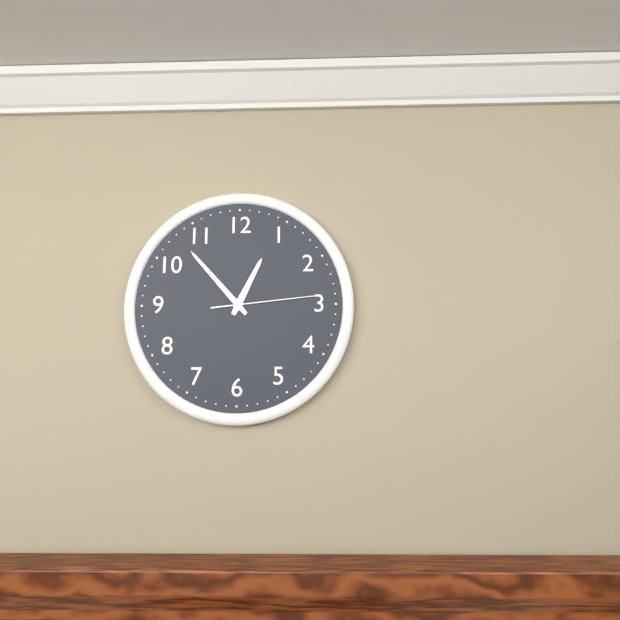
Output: **12:53:14**
